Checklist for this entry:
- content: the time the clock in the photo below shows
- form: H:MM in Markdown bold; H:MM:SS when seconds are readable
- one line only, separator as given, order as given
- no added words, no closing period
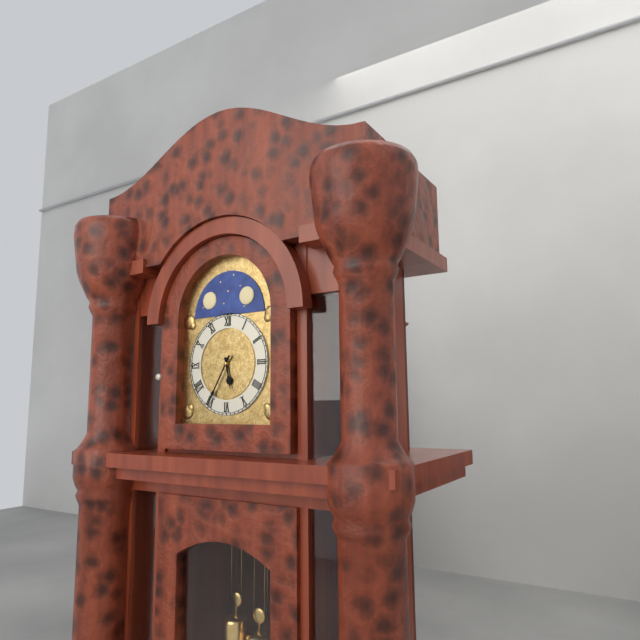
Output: **5:35**
